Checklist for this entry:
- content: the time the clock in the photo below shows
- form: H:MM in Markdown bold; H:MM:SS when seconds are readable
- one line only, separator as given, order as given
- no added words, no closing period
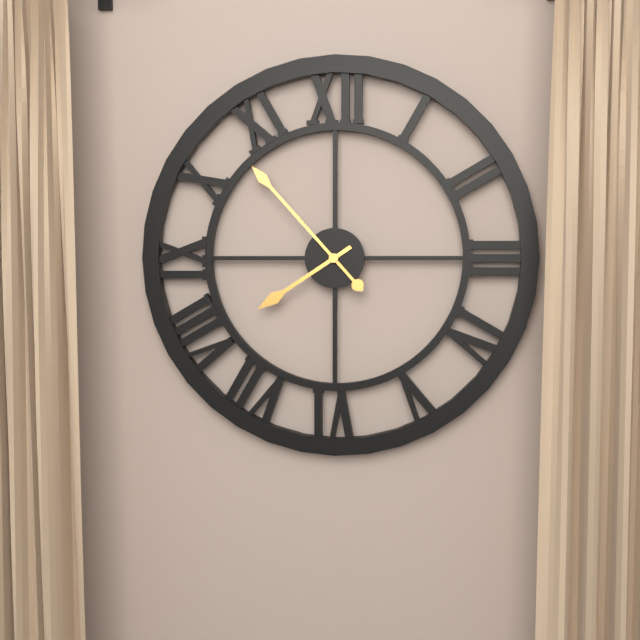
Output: **7:53**
